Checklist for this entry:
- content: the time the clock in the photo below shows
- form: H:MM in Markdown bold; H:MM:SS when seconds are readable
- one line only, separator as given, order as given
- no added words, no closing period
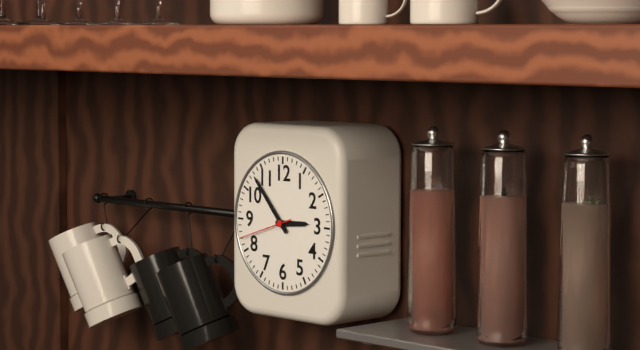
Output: **2:53:42**
